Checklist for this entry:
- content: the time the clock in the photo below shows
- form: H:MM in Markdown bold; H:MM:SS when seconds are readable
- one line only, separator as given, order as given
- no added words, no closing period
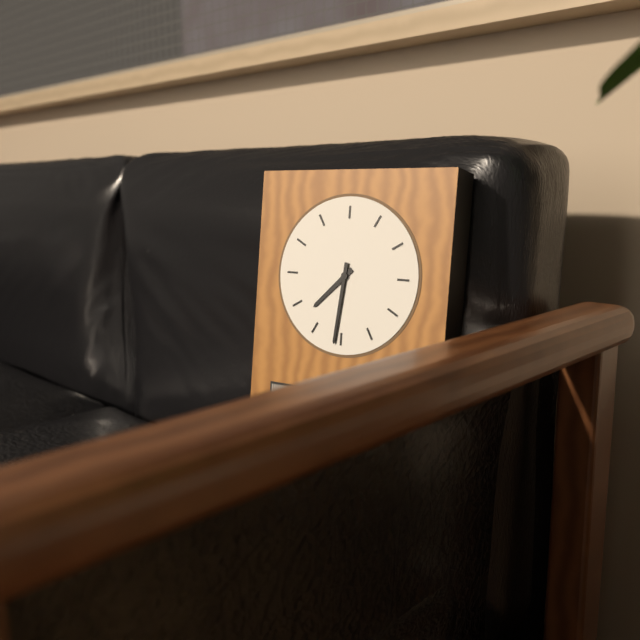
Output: **7:31**
